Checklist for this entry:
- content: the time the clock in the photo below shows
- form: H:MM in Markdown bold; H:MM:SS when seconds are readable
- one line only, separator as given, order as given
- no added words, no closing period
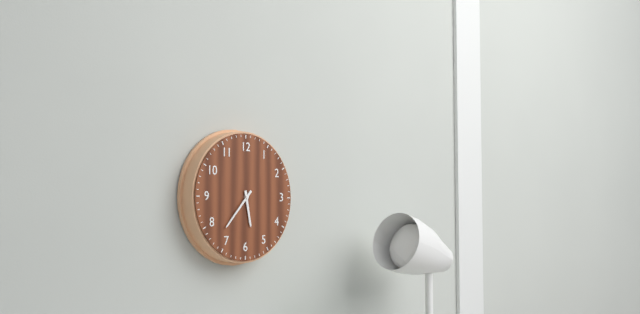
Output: **5:37**
